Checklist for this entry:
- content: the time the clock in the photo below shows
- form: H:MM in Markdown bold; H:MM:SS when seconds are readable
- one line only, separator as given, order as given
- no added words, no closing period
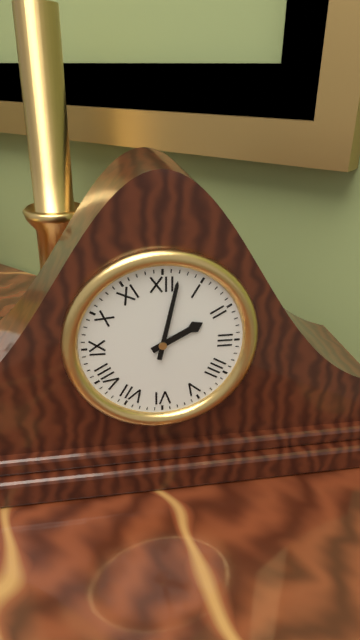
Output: **2:02**
